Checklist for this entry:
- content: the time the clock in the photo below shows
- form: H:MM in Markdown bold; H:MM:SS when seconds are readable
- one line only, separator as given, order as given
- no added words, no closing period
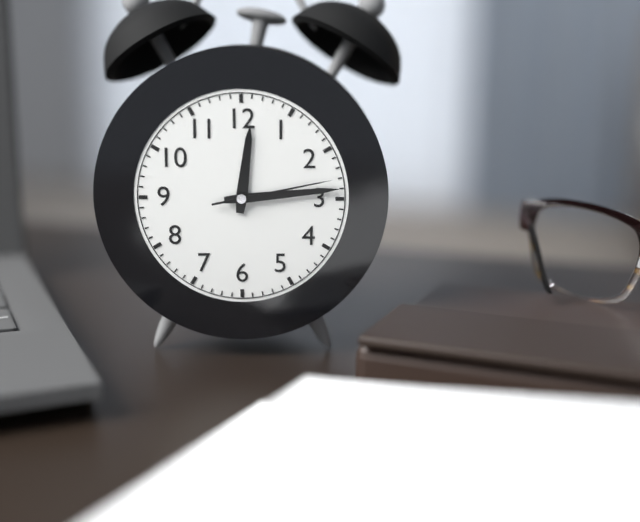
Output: **12:14:13**
